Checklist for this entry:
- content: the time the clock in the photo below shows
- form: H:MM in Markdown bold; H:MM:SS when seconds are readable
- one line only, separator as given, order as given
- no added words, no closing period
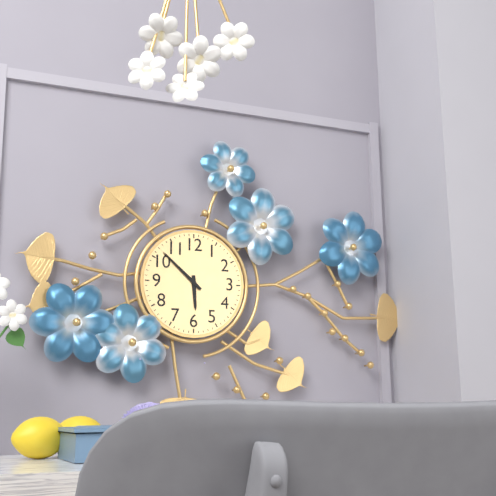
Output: **5:52**
